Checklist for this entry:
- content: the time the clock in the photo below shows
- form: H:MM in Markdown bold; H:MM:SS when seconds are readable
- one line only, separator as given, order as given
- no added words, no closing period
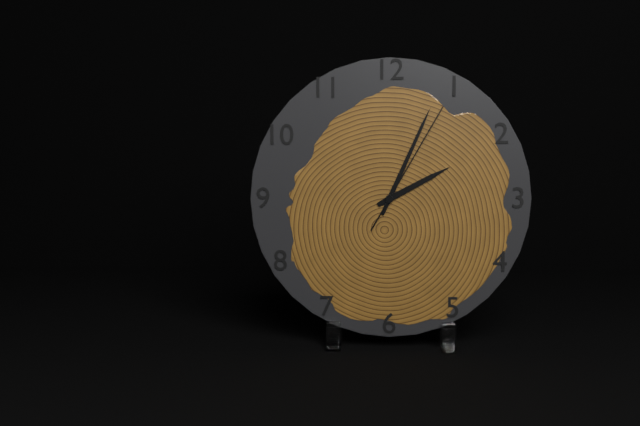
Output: **2:04:05**
